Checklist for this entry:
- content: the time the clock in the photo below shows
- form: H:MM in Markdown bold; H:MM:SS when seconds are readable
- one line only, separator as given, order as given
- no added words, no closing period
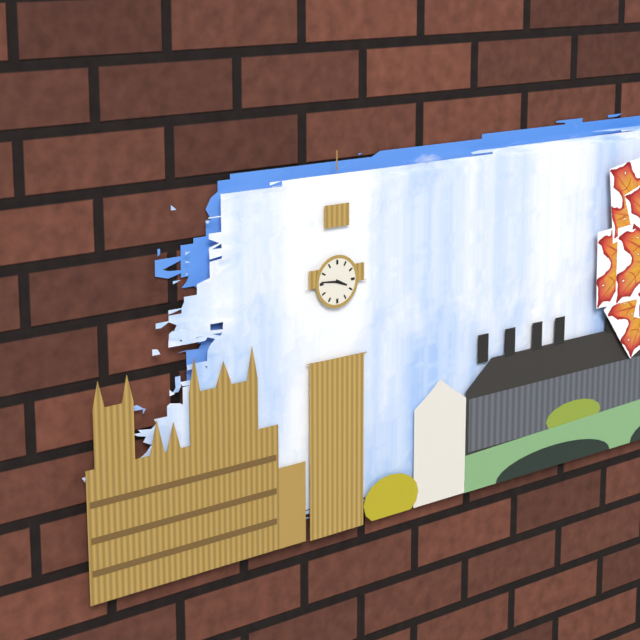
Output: **3:46**
